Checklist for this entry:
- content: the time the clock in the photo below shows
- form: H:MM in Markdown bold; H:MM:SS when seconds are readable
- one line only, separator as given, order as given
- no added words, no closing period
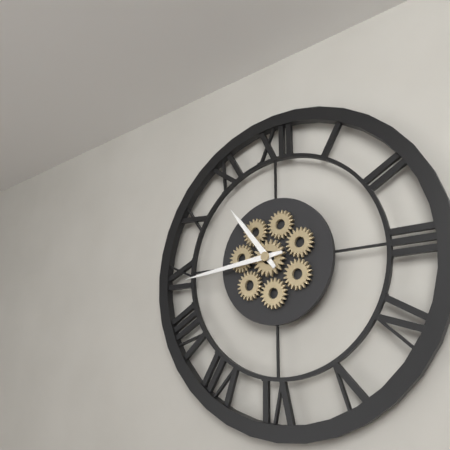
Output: **10:44**
